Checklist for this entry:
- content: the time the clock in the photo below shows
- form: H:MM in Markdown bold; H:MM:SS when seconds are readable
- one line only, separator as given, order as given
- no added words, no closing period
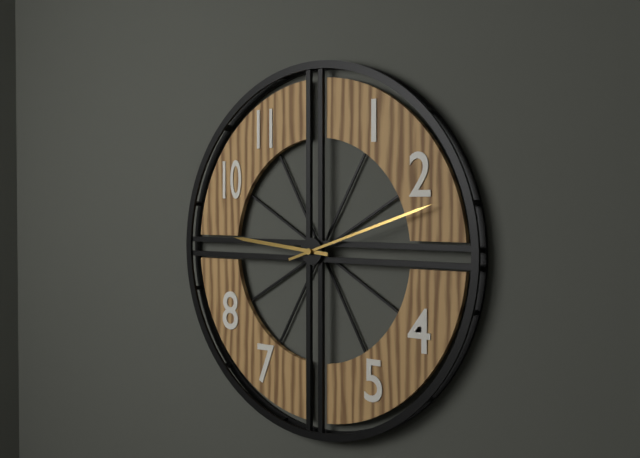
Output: **9:12**
